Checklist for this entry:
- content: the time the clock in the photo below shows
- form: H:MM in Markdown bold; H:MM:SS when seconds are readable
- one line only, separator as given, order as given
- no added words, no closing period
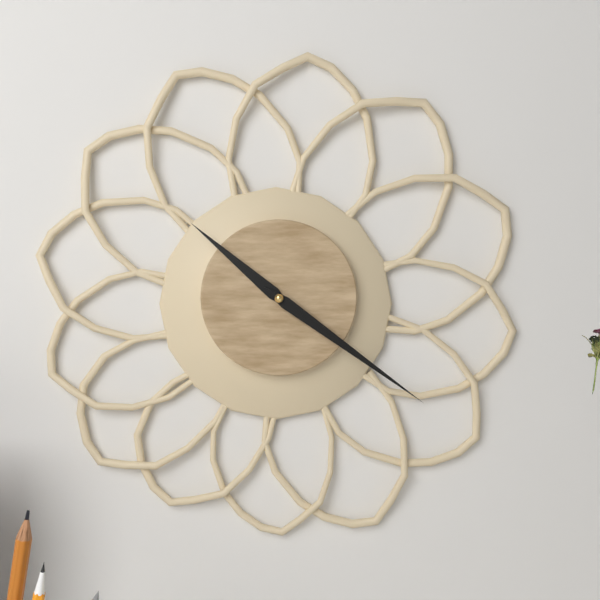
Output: **10:21**
